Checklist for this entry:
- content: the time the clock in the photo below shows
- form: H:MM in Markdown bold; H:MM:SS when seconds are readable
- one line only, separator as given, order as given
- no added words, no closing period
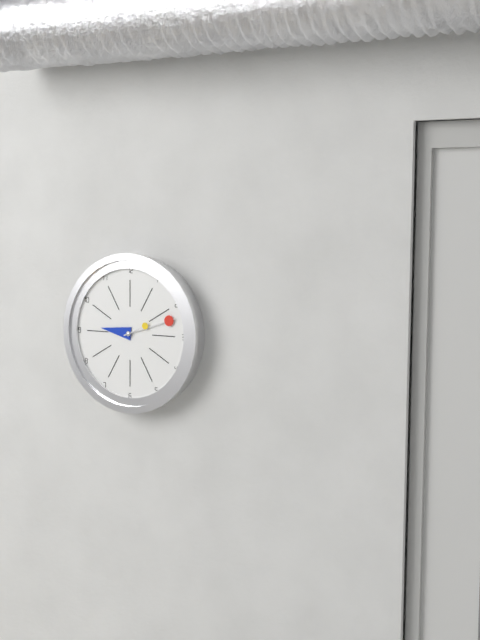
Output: **9:12**
